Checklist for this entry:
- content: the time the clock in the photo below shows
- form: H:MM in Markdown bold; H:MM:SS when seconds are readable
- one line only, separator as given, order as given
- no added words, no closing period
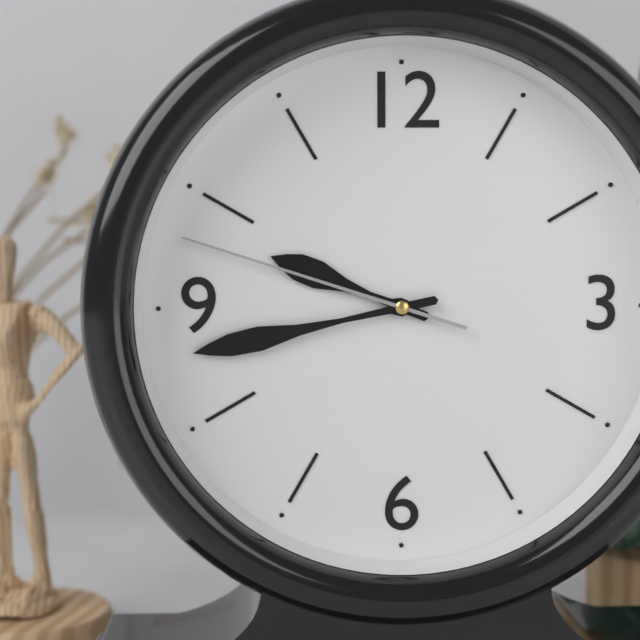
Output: **9:43:48**
